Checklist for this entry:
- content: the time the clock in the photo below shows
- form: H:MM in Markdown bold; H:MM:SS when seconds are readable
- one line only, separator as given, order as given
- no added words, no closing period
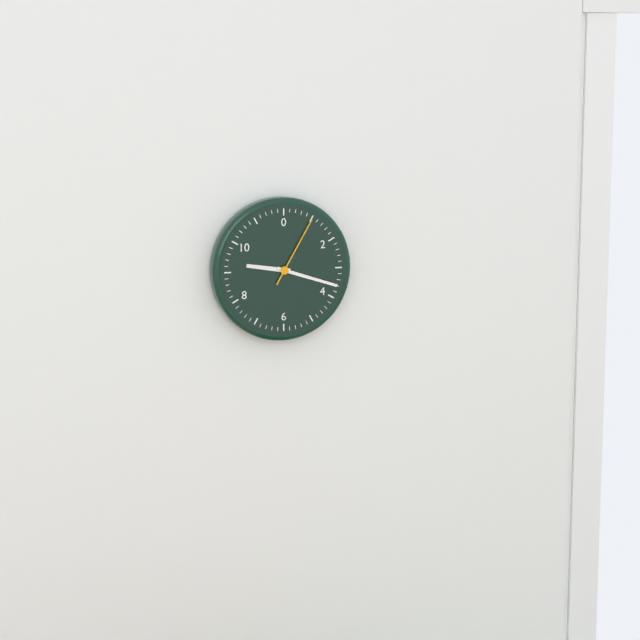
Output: **9:18:05**
